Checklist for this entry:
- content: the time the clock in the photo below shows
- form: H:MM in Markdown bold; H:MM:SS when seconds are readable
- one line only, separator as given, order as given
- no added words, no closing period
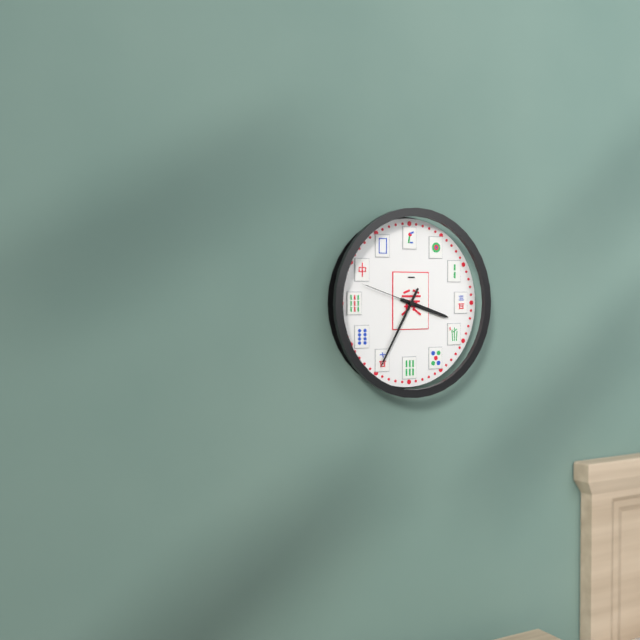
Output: **3:35:48**
